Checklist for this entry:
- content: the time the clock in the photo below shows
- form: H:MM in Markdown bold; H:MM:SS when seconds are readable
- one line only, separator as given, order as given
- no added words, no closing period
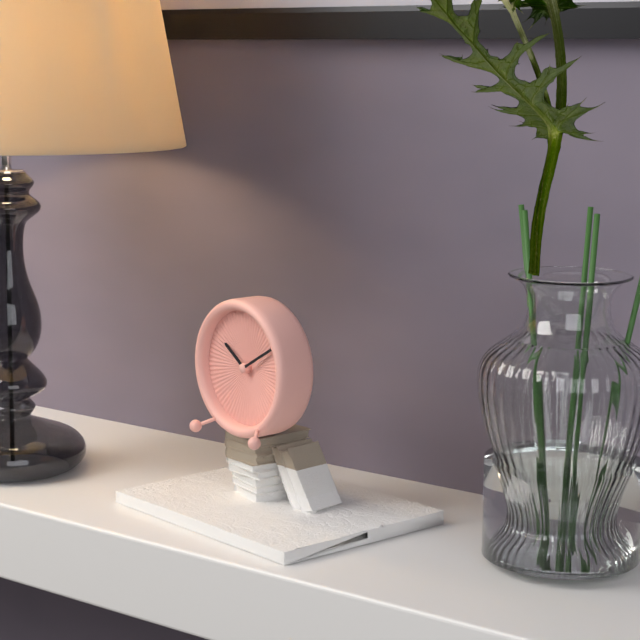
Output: **10:10**
